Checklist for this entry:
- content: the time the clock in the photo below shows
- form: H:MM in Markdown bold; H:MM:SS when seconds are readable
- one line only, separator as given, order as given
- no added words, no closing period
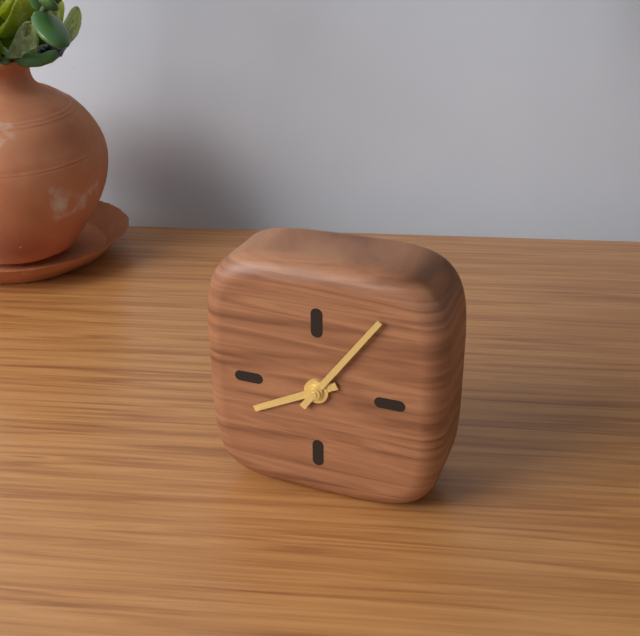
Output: **8:06**
